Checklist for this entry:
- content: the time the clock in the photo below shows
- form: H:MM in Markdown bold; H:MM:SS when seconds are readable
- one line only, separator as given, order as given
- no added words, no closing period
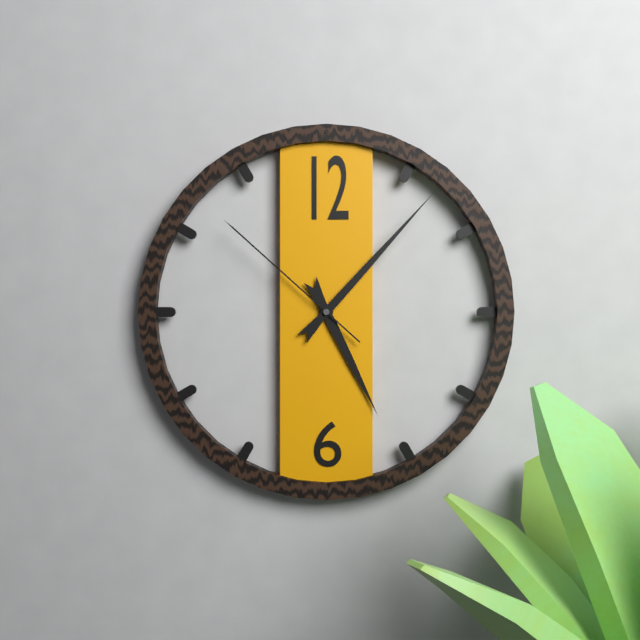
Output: **5:07:52**
